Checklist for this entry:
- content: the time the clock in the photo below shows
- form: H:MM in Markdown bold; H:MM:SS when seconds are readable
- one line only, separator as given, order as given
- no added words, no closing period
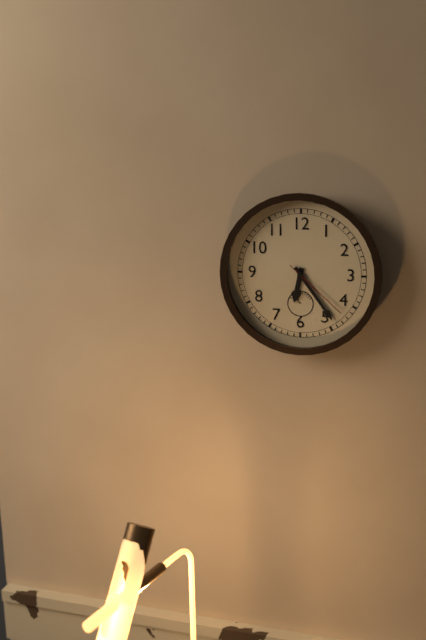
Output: **6:24:22**
